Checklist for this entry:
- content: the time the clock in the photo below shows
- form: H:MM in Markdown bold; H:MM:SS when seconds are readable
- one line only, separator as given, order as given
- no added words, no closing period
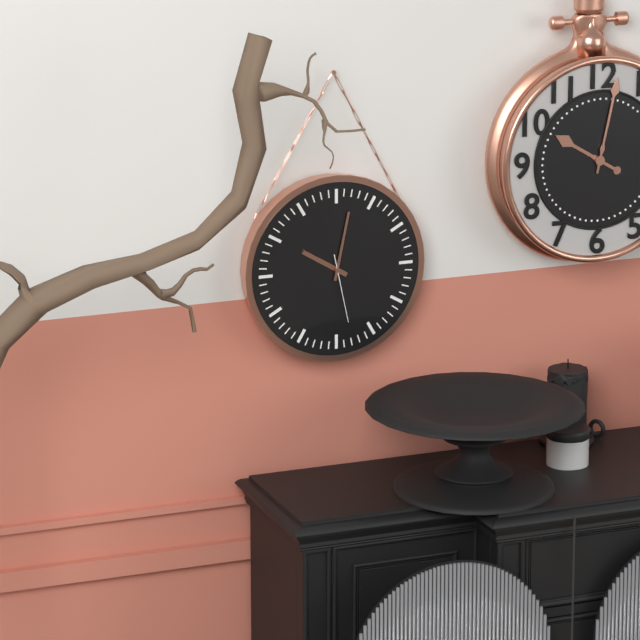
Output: **10:02:28**
